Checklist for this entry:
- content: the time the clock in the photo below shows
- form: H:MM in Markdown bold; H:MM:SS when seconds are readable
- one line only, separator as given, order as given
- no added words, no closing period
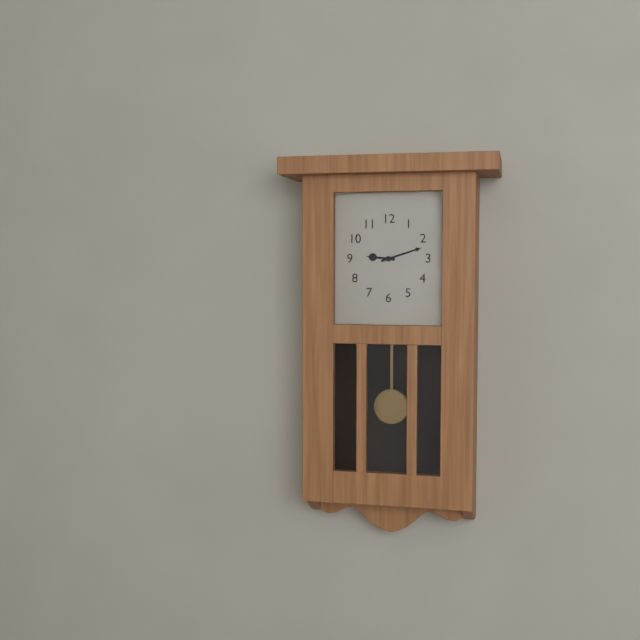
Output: **9:12**
